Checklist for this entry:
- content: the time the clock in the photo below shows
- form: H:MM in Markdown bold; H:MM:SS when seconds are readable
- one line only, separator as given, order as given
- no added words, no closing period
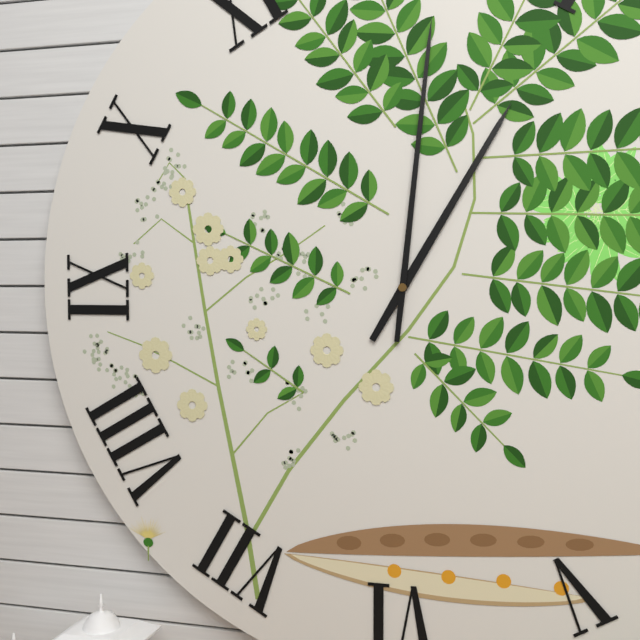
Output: **1:01**
